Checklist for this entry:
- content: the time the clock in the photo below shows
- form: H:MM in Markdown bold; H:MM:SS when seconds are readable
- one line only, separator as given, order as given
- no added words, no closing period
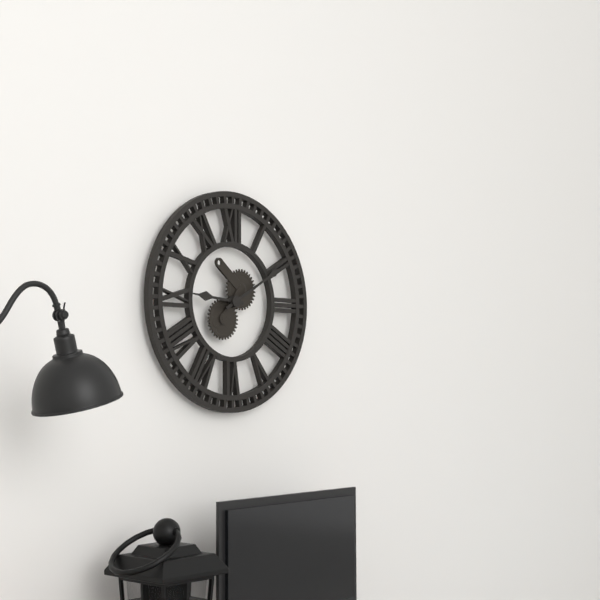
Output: **9:10**
